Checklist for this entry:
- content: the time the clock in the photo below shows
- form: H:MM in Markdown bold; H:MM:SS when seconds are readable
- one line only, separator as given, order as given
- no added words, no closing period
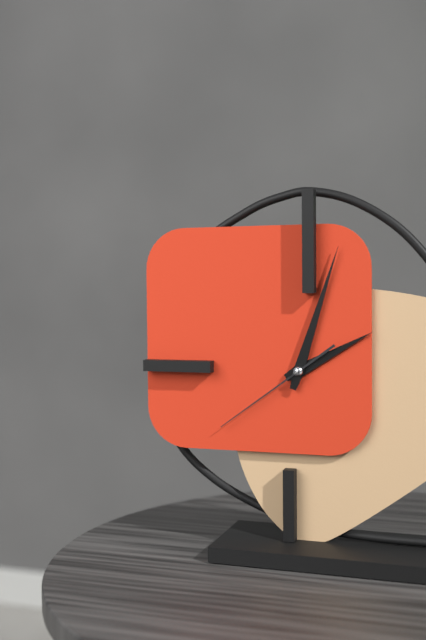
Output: **2:03:39**
